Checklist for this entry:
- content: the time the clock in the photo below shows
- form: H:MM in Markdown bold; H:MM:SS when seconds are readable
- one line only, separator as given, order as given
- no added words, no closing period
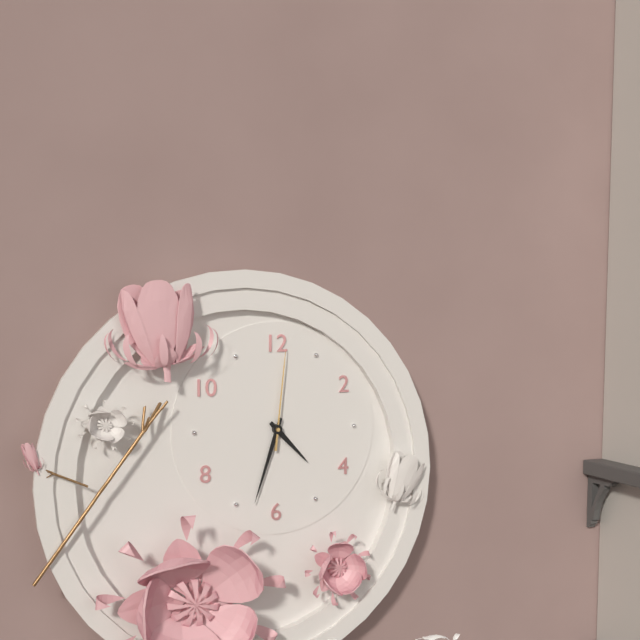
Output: **4:33:01**
